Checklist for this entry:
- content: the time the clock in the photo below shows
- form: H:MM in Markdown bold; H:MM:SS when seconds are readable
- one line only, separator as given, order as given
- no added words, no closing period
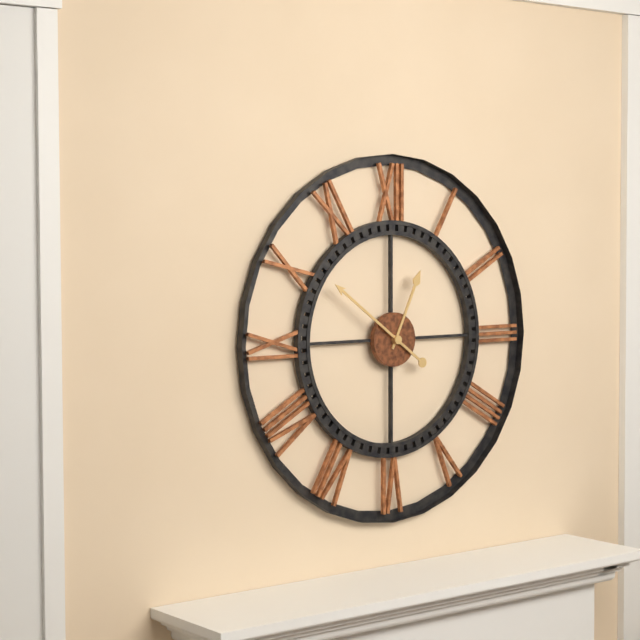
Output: **12:51**
